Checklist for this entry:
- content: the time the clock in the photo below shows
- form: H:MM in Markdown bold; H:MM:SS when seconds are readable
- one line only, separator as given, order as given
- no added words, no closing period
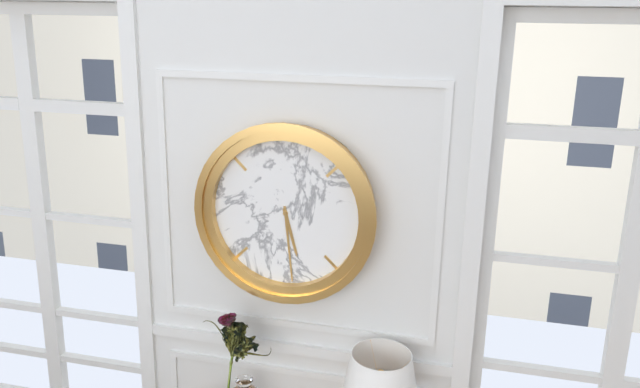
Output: **5:29**
